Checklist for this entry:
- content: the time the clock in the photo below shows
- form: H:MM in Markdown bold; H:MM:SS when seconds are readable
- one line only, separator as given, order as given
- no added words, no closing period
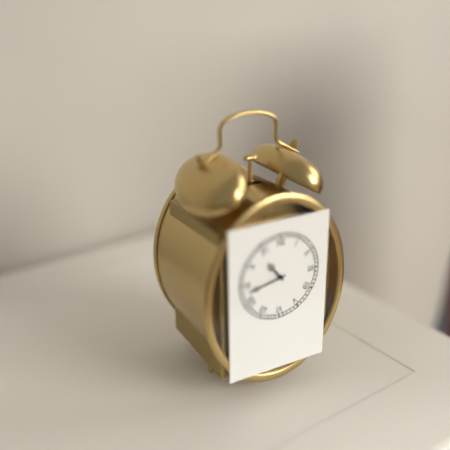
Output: **10:43**
